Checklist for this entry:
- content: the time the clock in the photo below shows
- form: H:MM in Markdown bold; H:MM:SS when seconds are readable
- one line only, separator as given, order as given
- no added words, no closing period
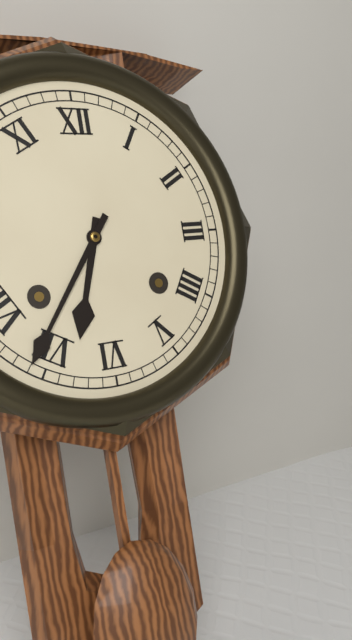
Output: **6:36**
